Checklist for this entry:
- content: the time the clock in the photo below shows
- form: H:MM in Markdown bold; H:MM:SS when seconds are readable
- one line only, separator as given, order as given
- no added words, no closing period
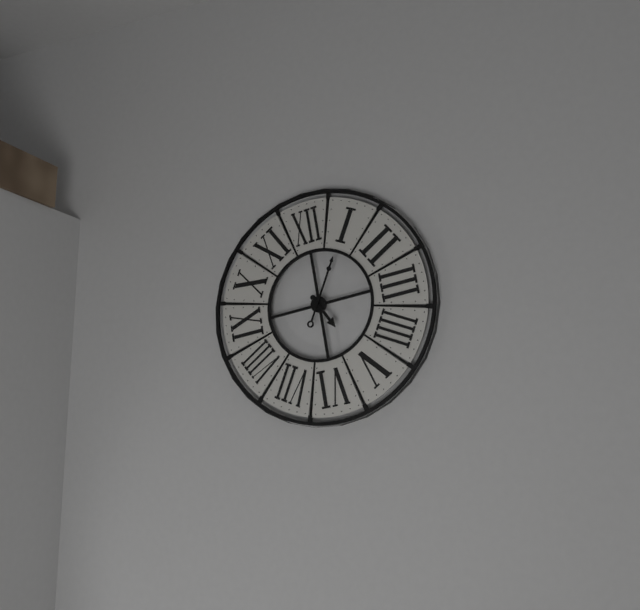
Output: **5:05**
